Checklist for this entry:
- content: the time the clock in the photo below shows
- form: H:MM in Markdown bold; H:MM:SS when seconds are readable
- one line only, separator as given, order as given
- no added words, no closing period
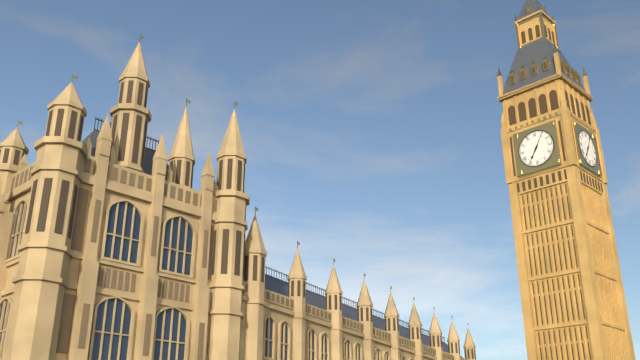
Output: **7:05**
